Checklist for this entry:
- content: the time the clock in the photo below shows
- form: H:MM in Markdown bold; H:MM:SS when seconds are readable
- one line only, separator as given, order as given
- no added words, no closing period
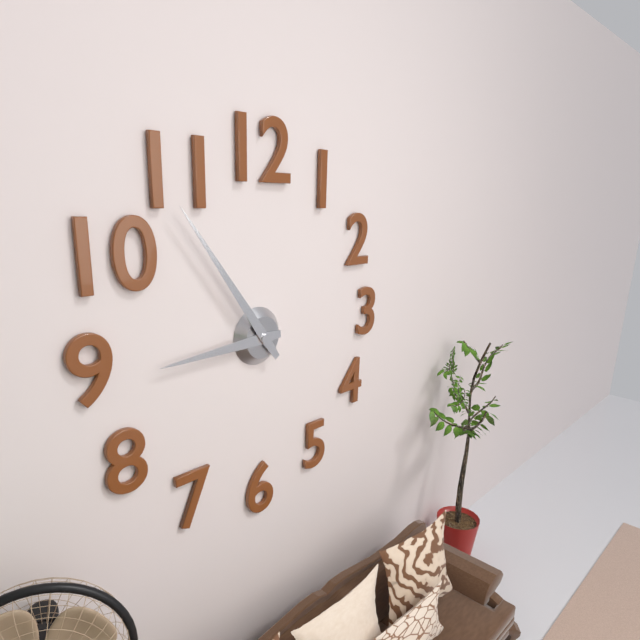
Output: **8:54**
